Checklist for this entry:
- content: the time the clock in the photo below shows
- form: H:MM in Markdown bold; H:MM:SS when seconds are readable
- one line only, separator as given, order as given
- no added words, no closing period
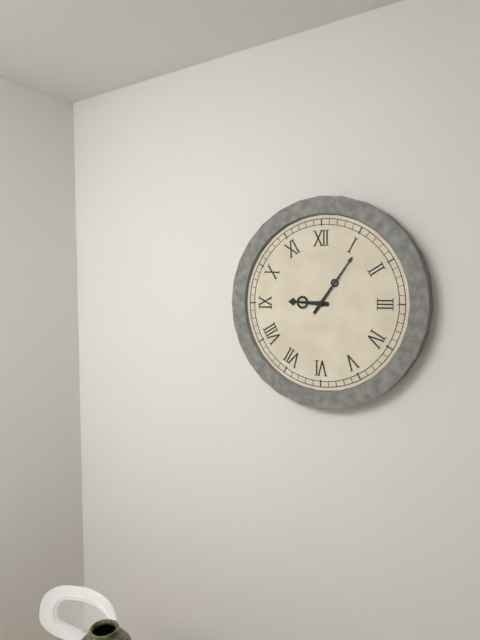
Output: **9:06**
